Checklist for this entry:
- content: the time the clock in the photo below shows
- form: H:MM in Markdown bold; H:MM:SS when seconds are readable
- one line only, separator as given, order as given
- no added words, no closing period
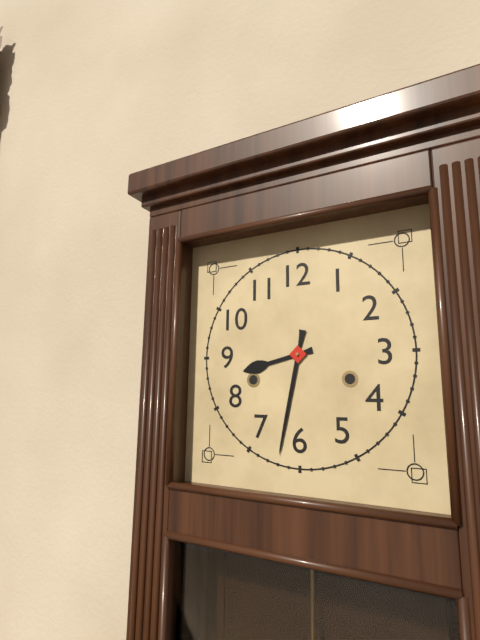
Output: **8:32**
